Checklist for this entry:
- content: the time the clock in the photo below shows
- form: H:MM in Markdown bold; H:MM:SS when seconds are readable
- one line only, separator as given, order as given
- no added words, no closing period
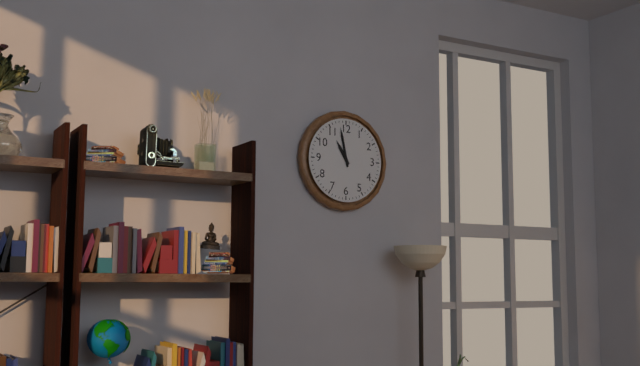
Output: **10:58**
